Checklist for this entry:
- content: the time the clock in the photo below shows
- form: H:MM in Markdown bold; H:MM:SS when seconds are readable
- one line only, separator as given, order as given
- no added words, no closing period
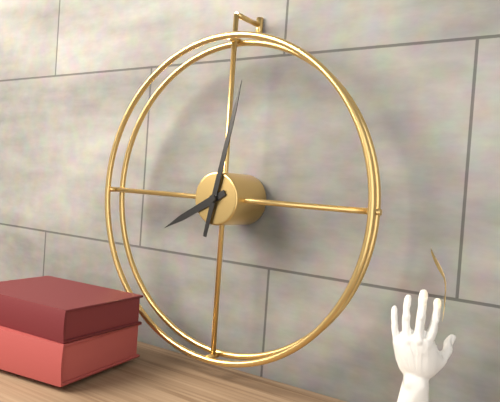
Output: **8:02**
